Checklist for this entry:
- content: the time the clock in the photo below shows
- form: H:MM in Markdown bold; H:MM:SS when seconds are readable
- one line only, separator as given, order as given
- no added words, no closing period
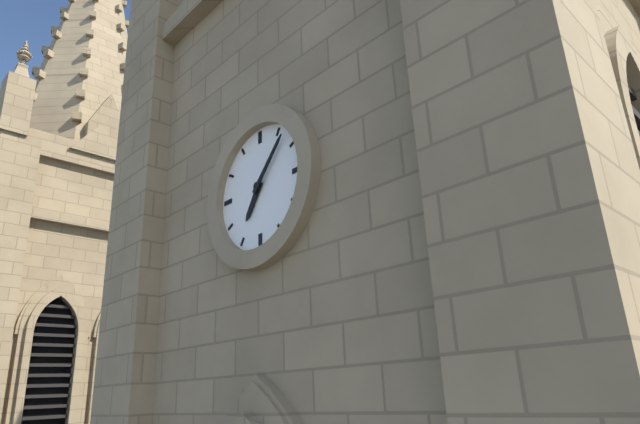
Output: **7:07**
